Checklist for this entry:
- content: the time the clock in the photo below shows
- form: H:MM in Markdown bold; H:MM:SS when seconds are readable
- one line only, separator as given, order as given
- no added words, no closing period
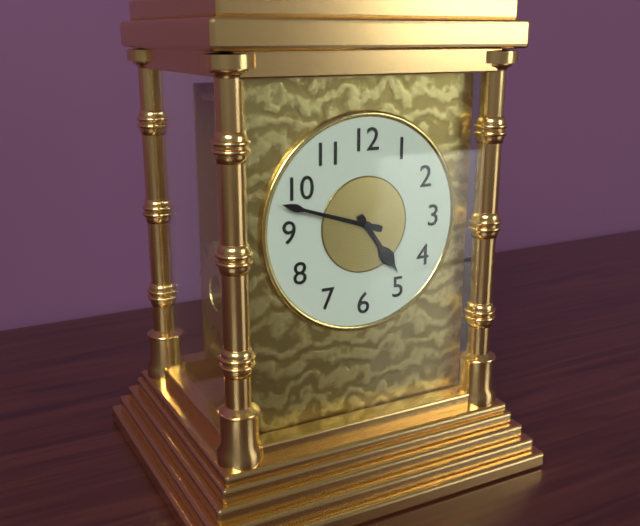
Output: **4:48**
